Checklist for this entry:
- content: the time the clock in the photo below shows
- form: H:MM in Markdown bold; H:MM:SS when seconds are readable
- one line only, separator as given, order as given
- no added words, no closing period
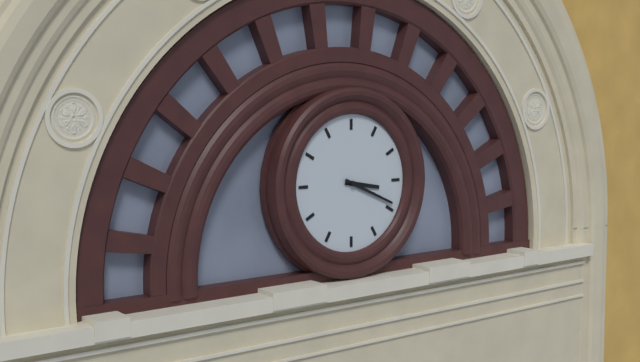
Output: **3:19**
